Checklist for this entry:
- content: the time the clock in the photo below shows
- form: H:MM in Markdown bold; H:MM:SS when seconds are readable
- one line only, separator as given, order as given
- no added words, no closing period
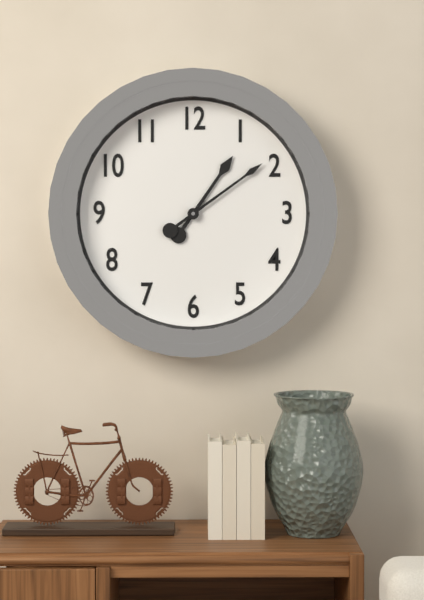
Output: **1:09**
